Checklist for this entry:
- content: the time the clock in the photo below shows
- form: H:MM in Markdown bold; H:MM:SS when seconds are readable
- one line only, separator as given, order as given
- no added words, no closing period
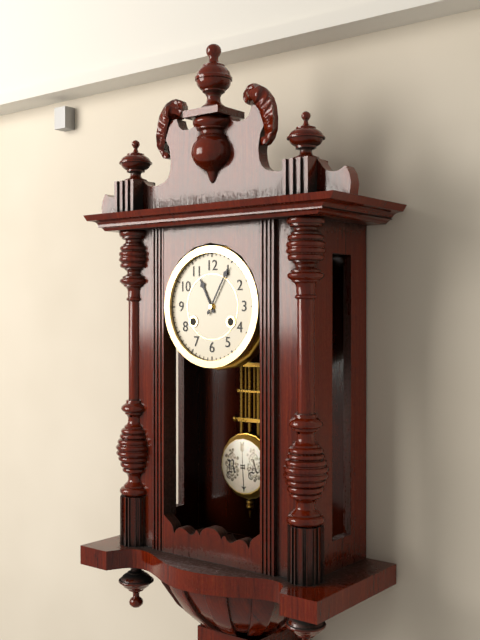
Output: **11:05**
